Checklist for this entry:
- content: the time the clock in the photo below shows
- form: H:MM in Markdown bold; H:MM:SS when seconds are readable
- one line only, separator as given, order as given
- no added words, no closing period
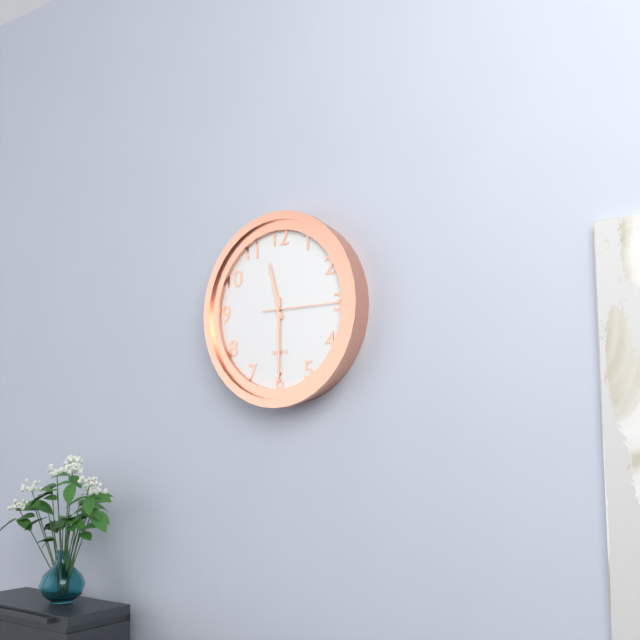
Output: **11:30:15**
